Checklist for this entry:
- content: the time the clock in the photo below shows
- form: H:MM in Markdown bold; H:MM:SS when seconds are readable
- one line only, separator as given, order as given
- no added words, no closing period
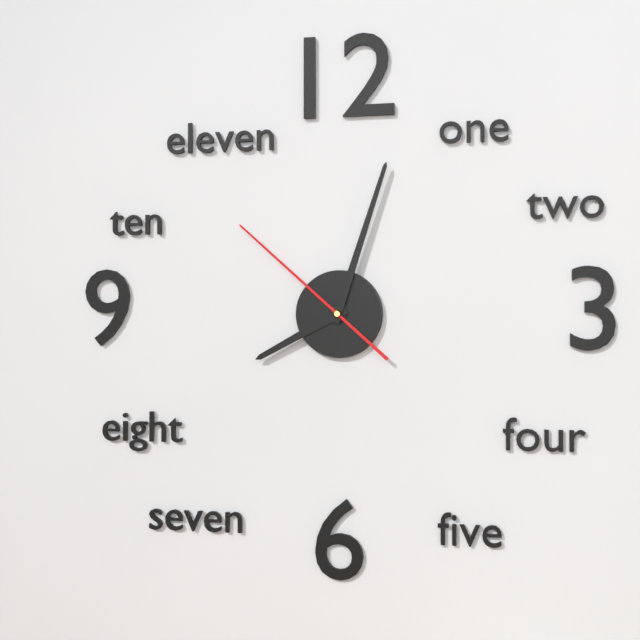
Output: **8:03:52**
